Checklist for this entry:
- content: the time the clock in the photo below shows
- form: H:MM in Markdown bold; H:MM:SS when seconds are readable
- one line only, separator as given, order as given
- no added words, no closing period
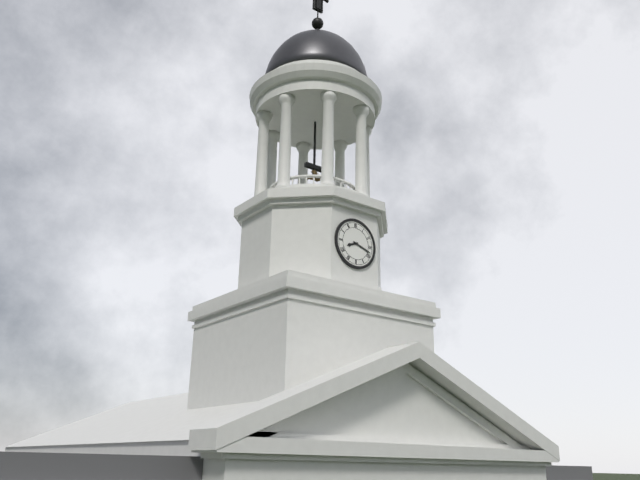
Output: **8:18**
